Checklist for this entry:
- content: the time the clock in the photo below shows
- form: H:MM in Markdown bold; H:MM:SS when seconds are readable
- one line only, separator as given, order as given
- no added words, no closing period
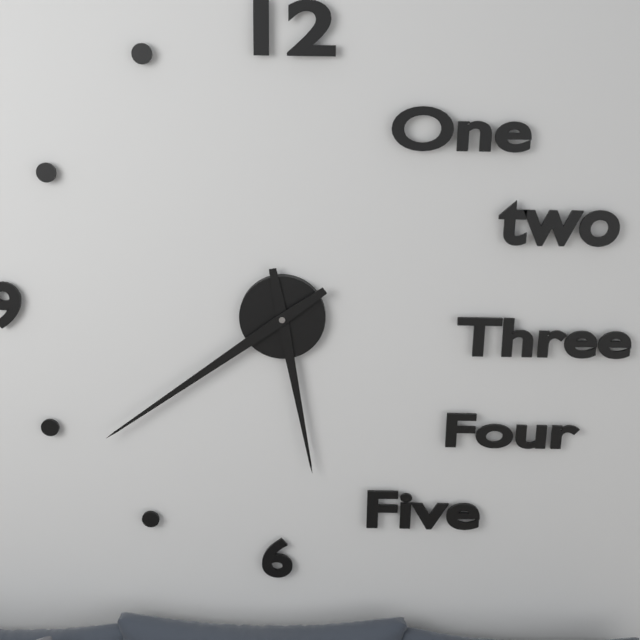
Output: **5:39**
